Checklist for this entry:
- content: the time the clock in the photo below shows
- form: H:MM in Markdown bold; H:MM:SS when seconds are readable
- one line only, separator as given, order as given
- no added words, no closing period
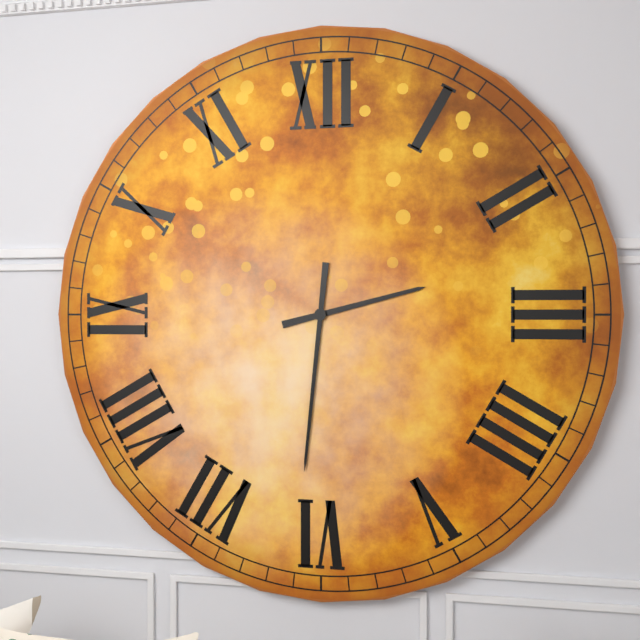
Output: **2:31**
